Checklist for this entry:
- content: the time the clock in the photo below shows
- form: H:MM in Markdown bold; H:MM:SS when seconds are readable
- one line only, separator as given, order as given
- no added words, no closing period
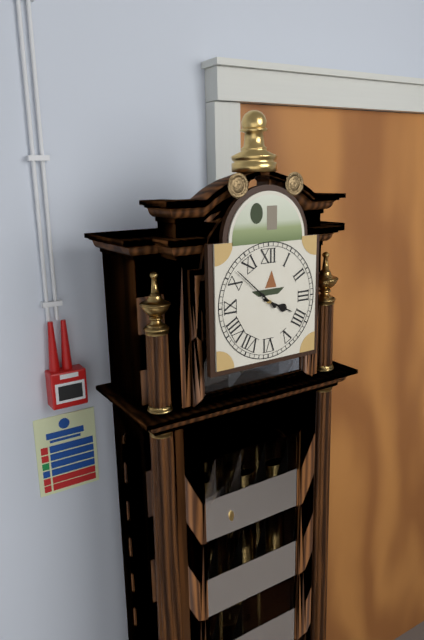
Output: **3:52**
